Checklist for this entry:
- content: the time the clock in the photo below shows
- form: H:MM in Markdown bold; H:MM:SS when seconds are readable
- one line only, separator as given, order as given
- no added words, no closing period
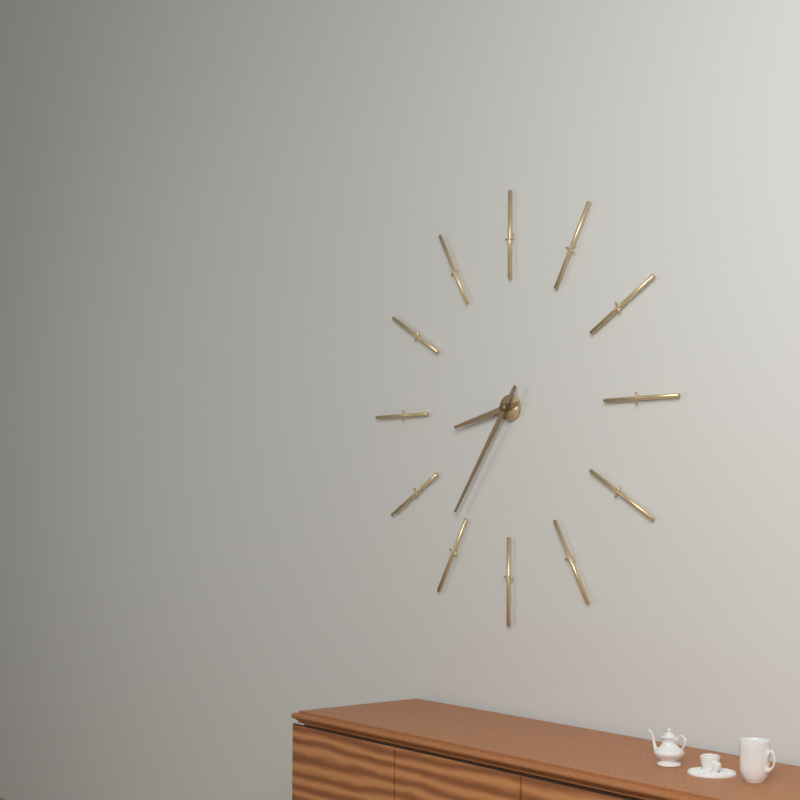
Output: **8:36**
